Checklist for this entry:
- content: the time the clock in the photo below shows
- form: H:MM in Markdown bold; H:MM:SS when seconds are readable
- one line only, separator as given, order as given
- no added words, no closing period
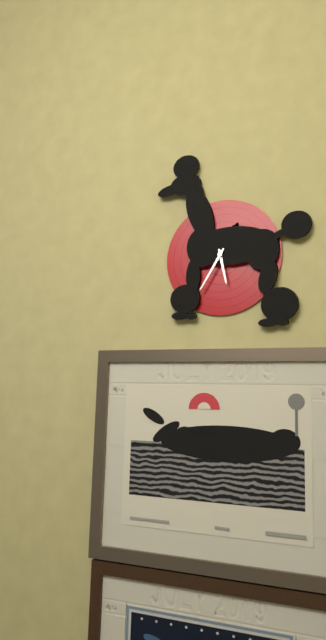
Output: **5:35**
